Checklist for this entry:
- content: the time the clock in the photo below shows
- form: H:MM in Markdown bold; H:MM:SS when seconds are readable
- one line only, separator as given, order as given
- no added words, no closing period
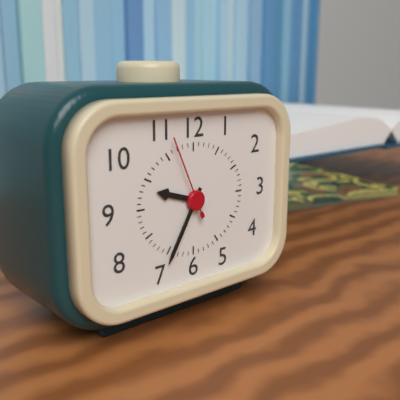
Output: **9:35:56**
